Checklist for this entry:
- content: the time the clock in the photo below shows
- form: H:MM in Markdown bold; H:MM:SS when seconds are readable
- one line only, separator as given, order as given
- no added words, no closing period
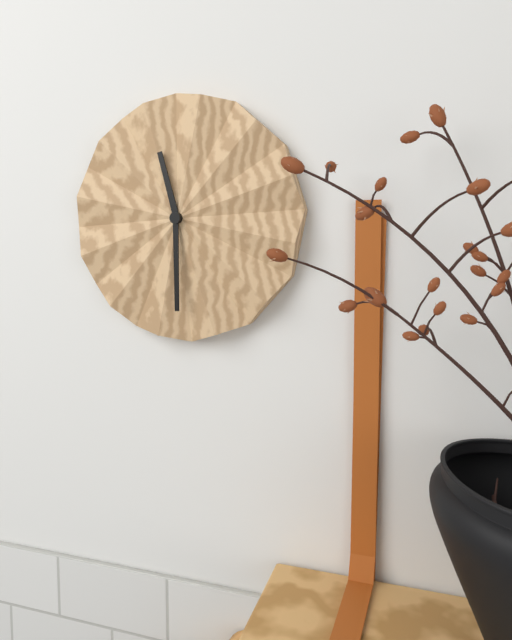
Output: **11:30**
